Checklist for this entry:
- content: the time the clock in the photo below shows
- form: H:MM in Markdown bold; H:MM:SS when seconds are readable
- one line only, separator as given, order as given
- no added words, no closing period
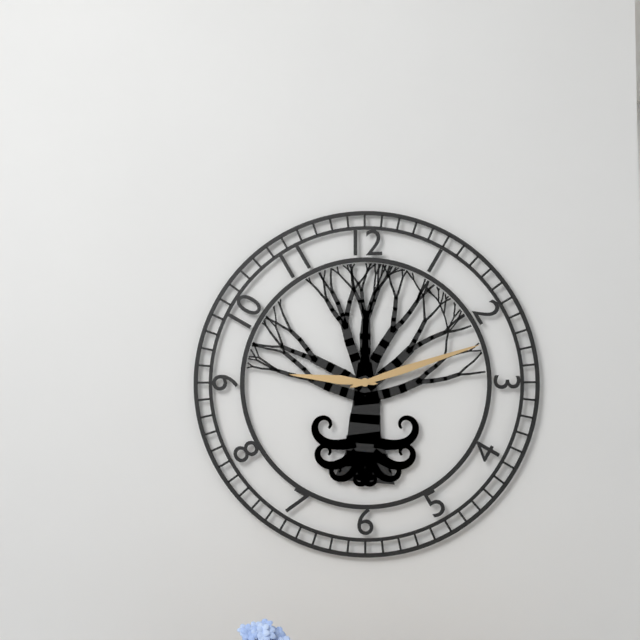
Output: **9:12**
